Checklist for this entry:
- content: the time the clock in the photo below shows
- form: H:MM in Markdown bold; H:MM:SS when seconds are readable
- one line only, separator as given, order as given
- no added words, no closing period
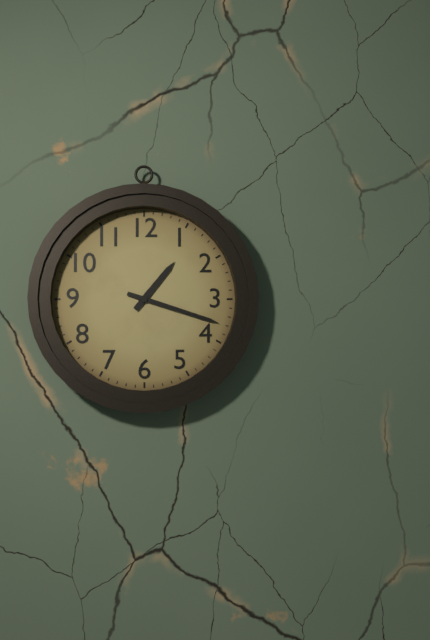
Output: **1:18**
